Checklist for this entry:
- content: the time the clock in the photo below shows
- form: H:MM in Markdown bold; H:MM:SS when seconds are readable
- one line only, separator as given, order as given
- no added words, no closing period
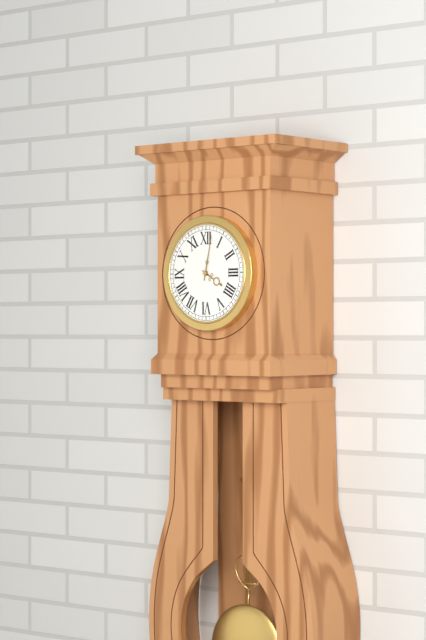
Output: **4:02**
